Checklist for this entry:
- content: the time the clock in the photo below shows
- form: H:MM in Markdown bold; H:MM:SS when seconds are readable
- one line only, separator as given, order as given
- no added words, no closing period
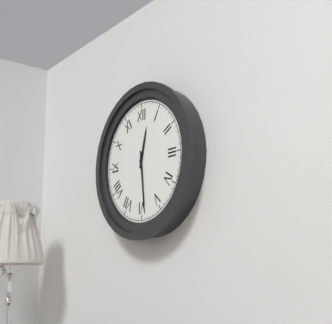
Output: **12:29**
